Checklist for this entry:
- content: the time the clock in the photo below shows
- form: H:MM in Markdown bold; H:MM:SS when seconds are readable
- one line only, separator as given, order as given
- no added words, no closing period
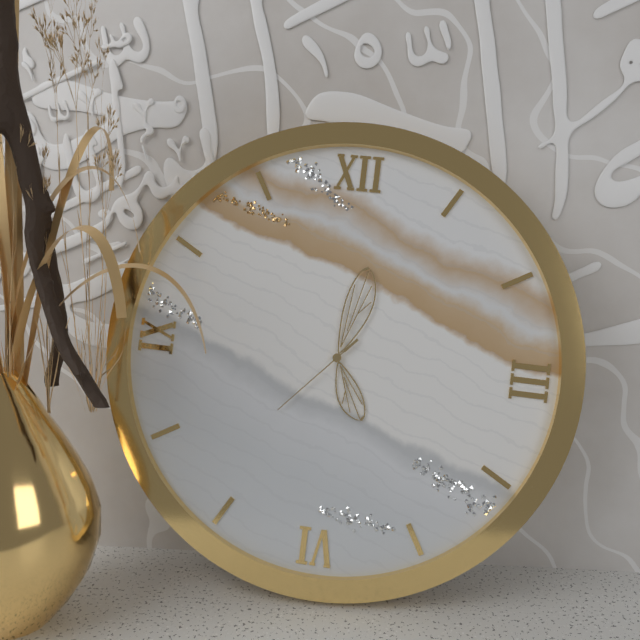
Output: **5:02:37**
